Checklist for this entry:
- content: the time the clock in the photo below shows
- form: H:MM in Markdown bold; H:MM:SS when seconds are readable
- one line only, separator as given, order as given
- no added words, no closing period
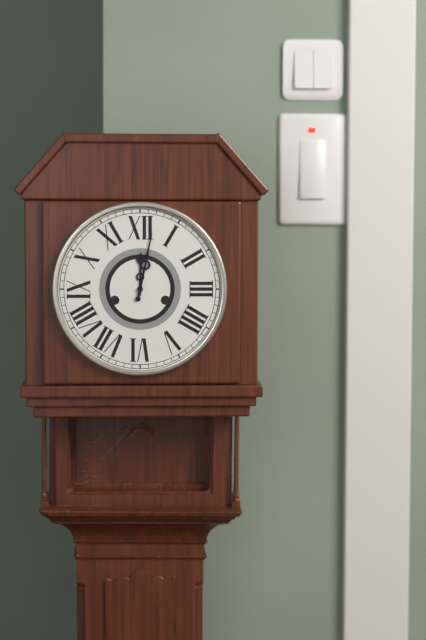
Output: **12:02**
